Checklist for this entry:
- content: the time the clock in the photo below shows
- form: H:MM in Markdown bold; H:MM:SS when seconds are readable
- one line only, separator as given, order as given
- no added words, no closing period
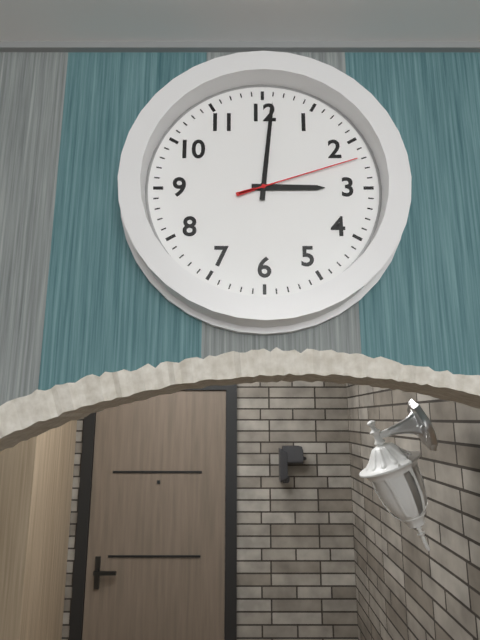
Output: **3:01:12**
